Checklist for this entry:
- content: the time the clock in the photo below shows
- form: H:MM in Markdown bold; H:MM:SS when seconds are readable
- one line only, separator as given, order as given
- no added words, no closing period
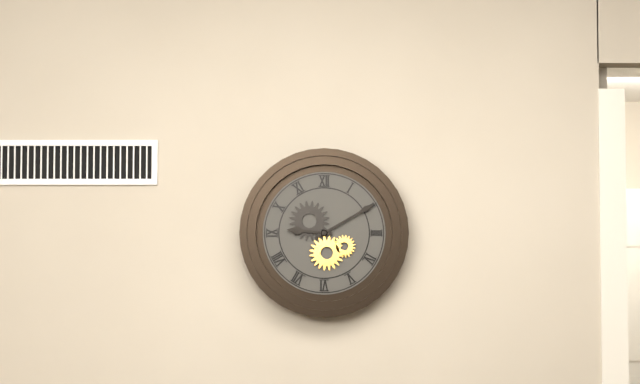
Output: **9:10**
